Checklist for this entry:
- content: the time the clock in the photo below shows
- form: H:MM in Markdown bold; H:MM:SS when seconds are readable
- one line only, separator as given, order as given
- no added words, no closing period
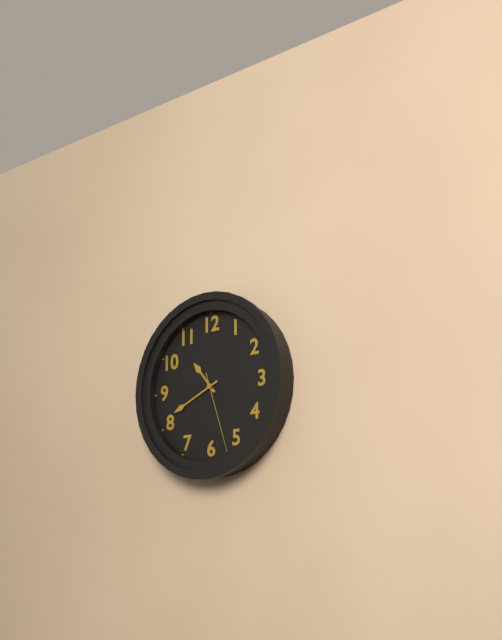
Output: **10:41:27**
